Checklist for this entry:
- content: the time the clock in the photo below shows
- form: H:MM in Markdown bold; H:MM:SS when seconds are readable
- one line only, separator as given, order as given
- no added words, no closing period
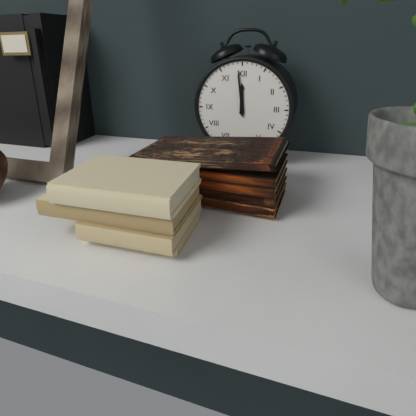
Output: **11:59**
